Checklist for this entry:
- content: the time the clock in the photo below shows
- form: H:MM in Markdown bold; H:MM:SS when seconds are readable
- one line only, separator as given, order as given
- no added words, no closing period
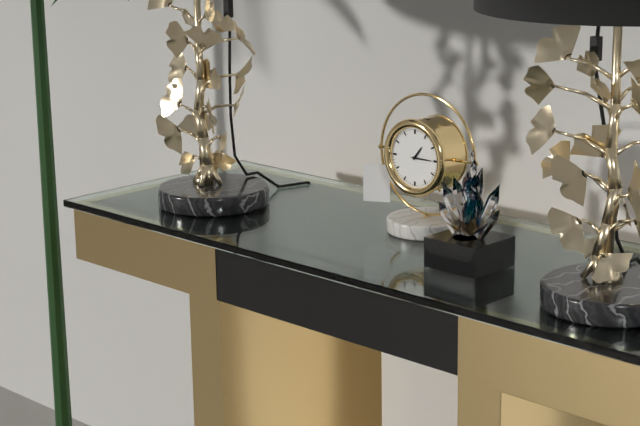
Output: **1:15**
